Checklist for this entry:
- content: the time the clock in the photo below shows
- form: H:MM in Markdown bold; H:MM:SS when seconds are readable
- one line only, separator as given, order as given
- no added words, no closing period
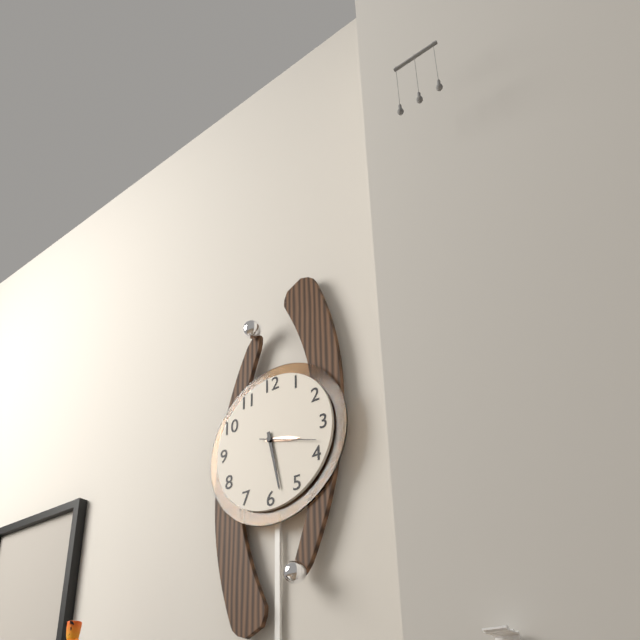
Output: **3:28**
